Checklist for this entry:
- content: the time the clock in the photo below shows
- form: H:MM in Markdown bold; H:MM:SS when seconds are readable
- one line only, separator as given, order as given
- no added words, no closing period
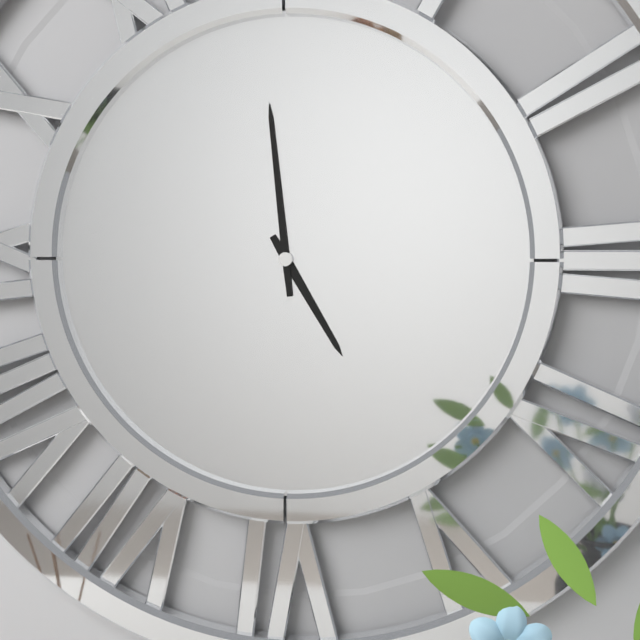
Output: **4:59**
